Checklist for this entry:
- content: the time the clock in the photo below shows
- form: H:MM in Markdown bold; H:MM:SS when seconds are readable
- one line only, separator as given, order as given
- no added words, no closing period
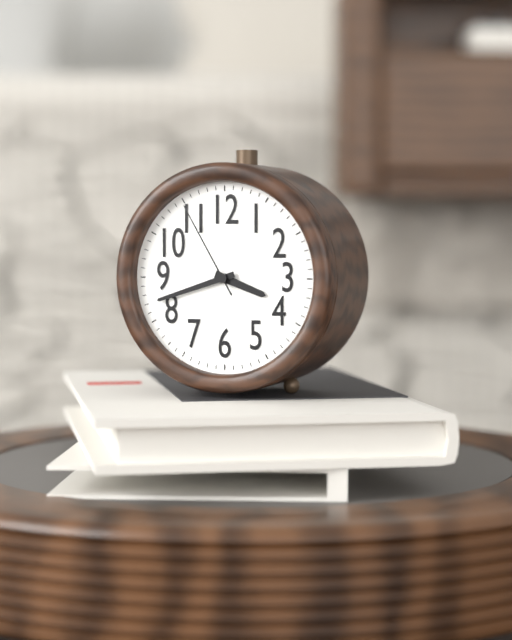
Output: **3:42:55**
